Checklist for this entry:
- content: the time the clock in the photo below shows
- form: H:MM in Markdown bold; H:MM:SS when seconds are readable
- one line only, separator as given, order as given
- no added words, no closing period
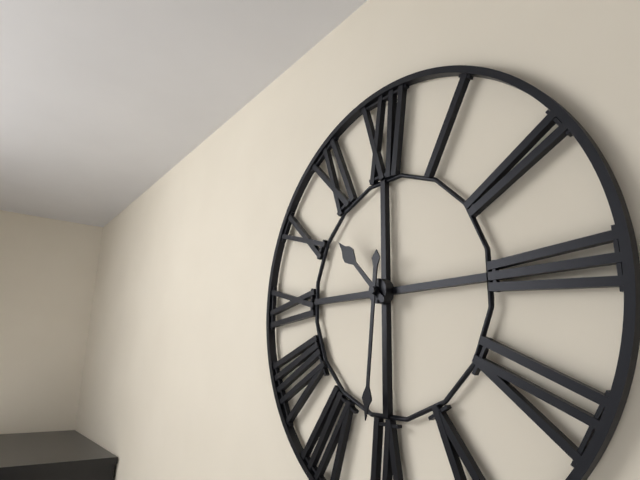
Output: **10:31**
